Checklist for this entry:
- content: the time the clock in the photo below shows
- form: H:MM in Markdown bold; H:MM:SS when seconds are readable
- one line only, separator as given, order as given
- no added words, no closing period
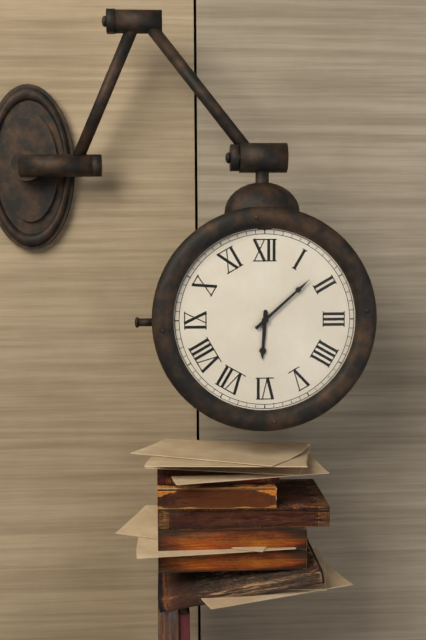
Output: **6:08**
